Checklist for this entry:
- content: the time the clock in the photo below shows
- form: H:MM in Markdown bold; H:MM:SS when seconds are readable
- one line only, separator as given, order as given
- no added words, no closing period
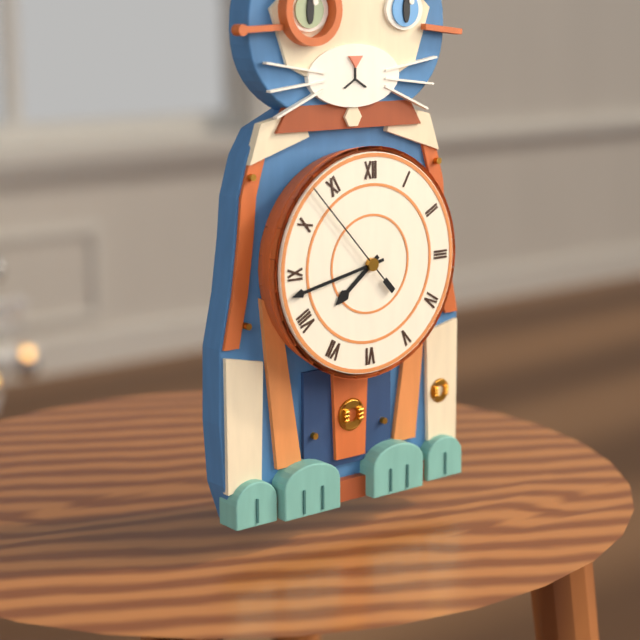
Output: **7:43:53**
